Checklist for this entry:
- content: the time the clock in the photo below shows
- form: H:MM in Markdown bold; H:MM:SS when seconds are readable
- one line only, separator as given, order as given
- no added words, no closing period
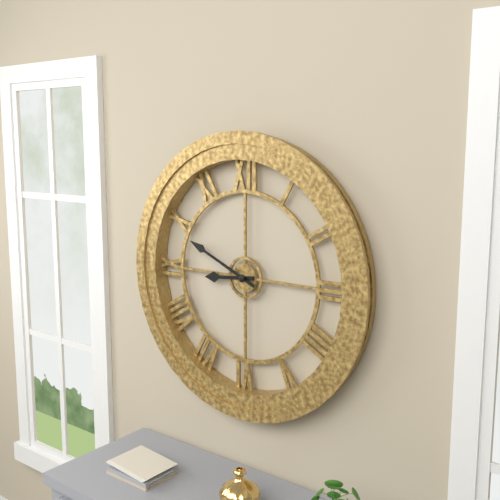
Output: **8:49**
